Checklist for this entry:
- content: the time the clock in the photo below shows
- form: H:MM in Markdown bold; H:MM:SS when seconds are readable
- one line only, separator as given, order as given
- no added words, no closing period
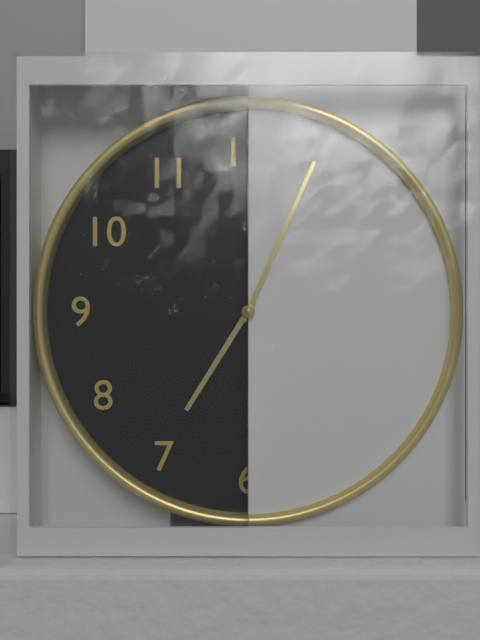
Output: **7:04**
